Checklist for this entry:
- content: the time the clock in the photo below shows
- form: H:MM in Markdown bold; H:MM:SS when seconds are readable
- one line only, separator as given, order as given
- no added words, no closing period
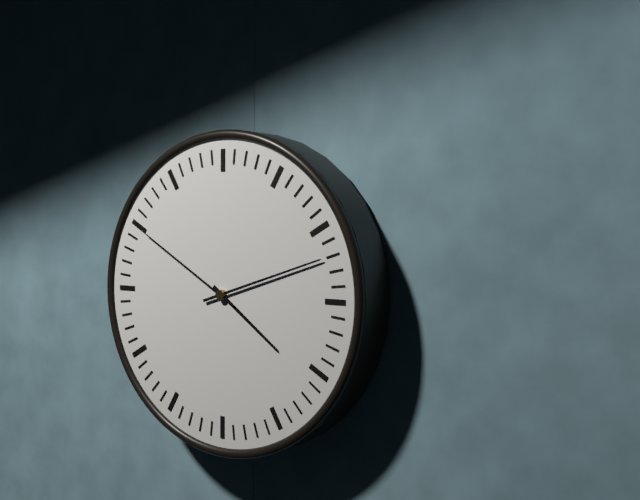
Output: **4:12:50**
